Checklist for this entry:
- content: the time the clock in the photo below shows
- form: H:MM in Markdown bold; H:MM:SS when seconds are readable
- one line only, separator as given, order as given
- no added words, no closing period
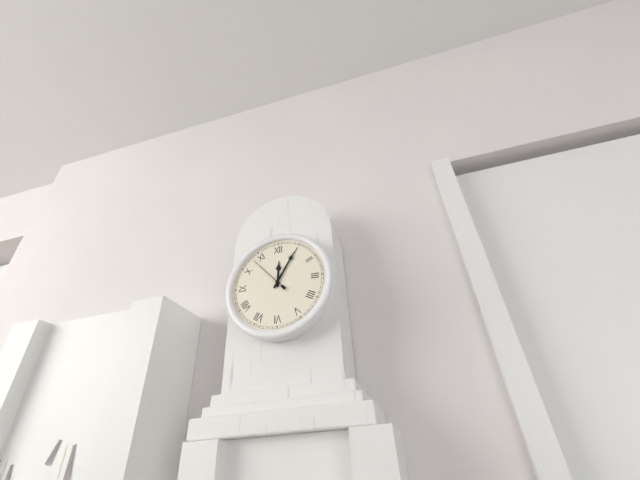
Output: **12:05**
